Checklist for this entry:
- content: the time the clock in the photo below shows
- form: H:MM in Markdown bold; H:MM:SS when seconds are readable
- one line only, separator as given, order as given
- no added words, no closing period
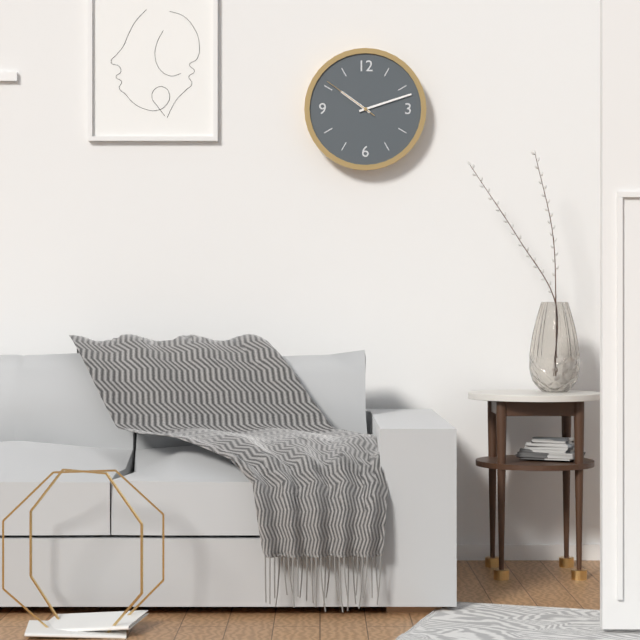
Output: **10:12:51**
